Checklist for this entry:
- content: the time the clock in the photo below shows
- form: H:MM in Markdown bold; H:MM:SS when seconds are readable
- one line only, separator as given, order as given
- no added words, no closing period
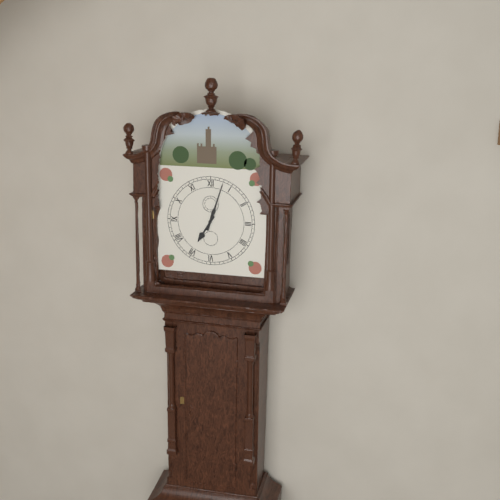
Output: **7:03**
